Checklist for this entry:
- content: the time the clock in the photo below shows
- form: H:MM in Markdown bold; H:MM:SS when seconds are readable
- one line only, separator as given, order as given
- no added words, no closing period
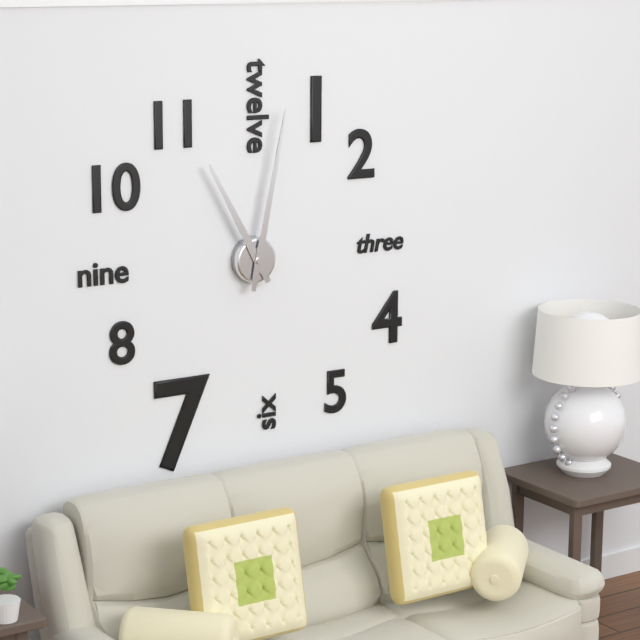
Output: **11:02**
